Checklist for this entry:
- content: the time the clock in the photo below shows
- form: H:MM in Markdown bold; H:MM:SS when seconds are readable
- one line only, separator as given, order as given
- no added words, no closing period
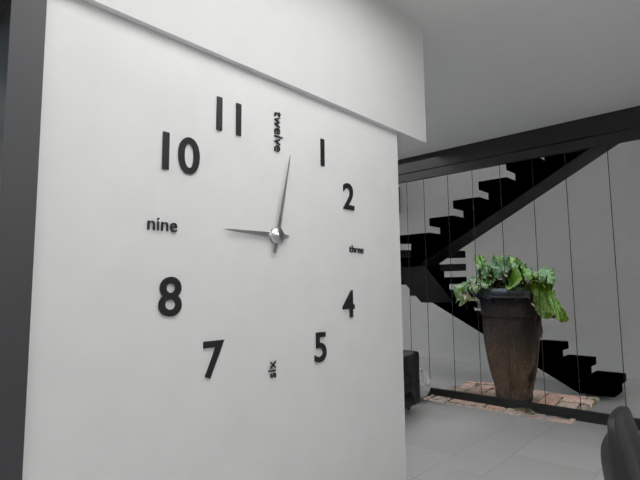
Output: **9:02**
